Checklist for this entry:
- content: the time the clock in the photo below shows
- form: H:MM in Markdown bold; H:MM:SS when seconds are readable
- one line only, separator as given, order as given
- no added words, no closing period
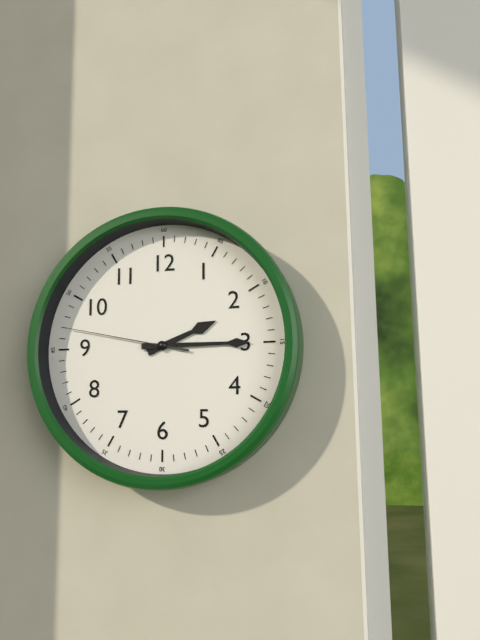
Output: **2:15:47**
